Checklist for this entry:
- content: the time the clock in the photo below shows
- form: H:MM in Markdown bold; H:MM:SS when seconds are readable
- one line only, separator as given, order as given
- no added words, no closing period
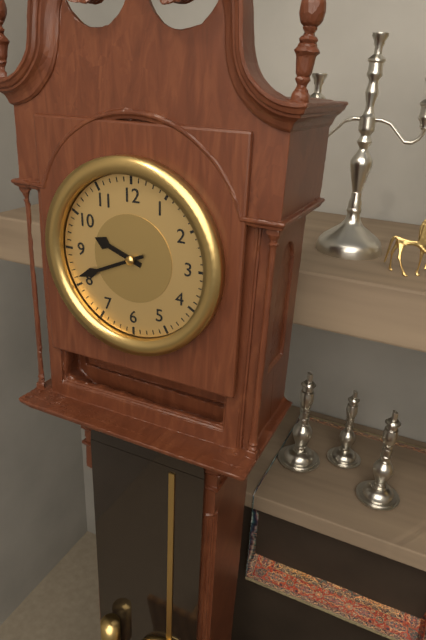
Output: **9:41**
